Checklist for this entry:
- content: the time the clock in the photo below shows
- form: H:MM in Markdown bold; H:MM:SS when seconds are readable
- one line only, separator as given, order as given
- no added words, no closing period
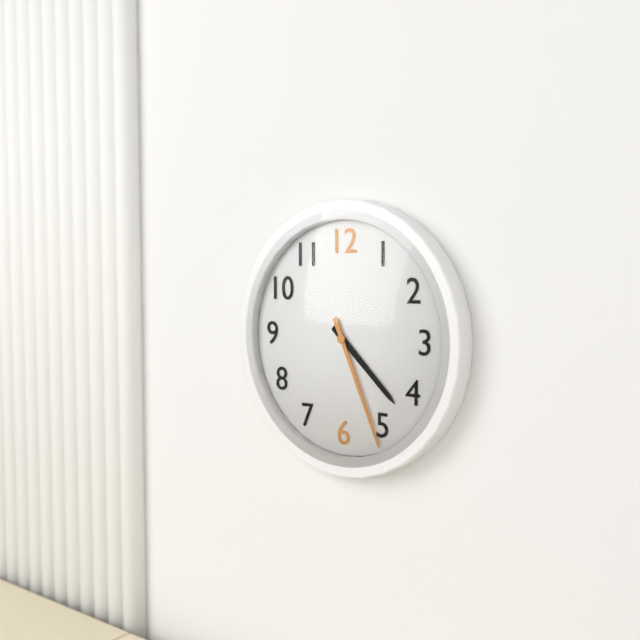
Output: **4:26**
